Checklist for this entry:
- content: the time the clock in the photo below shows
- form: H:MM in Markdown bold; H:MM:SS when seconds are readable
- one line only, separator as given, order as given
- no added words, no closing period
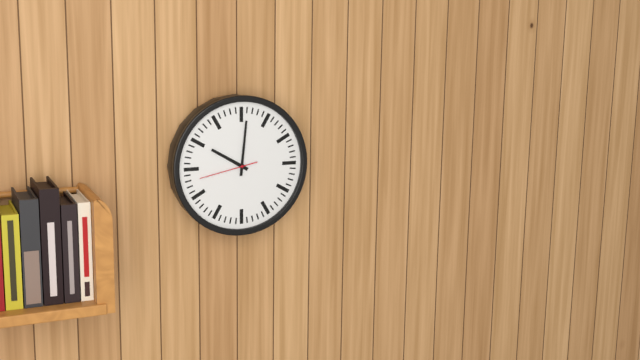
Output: **10:01:43**
